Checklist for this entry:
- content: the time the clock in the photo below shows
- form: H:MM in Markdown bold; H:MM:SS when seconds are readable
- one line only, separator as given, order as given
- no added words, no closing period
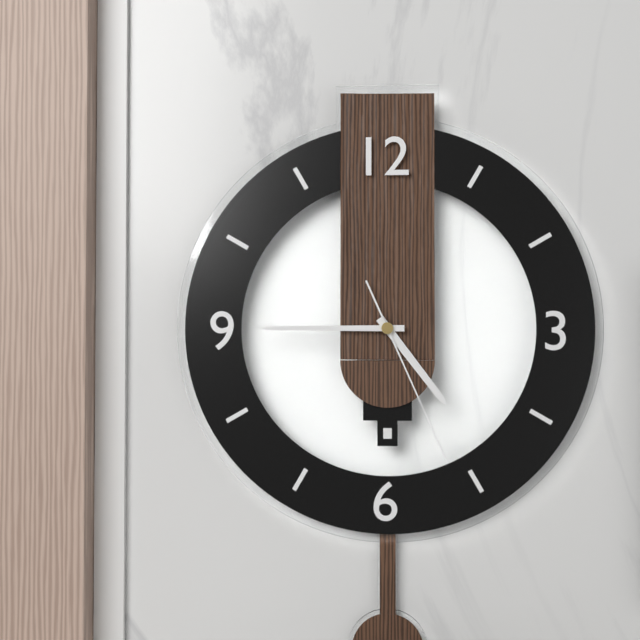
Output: **4:45:26**
